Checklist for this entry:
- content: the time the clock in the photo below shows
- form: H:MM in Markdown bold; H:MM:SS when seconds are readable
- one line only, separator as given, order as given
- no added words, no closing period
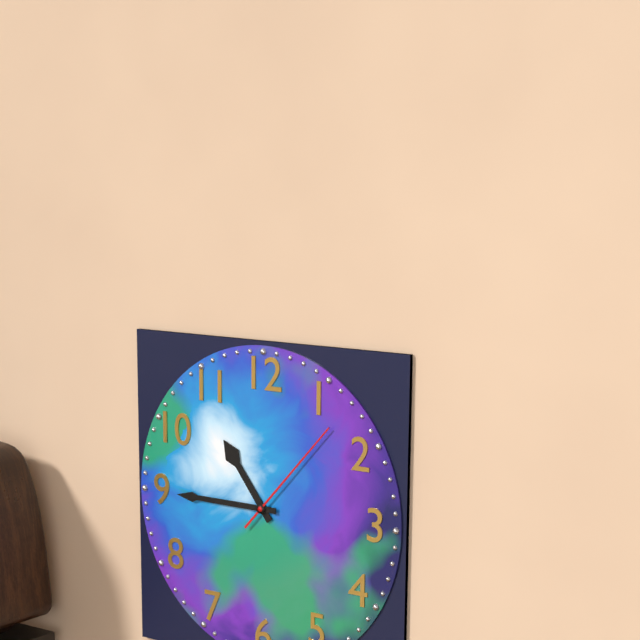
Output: **10:45:07**
